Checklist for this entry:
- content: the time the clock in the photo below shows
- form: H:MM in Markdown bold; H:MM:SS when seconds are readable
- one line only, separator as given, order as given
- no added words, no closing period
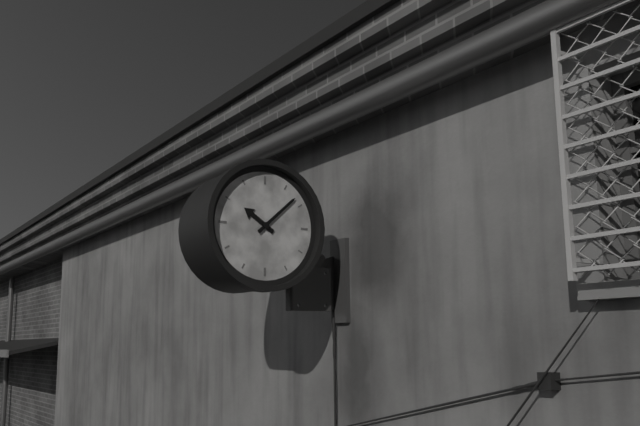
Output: **10:08**
